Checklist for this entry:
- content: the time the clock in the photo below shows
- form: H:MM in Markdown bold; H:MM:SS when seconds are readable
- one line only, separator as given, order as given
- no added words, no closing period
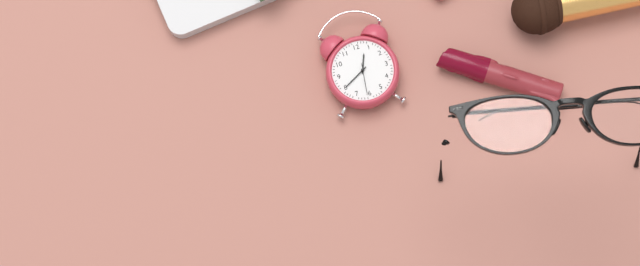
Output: **12:40**
